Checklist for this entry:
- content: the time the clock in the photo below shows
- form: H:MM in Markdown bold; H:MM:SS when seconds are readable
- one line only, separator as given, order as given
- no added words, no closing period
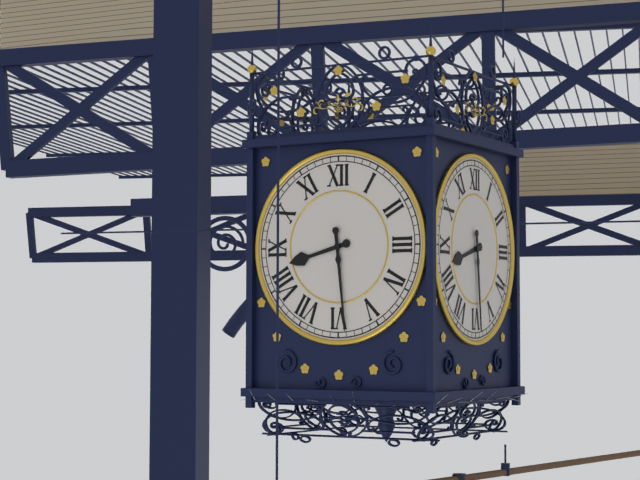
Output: **8:29**
